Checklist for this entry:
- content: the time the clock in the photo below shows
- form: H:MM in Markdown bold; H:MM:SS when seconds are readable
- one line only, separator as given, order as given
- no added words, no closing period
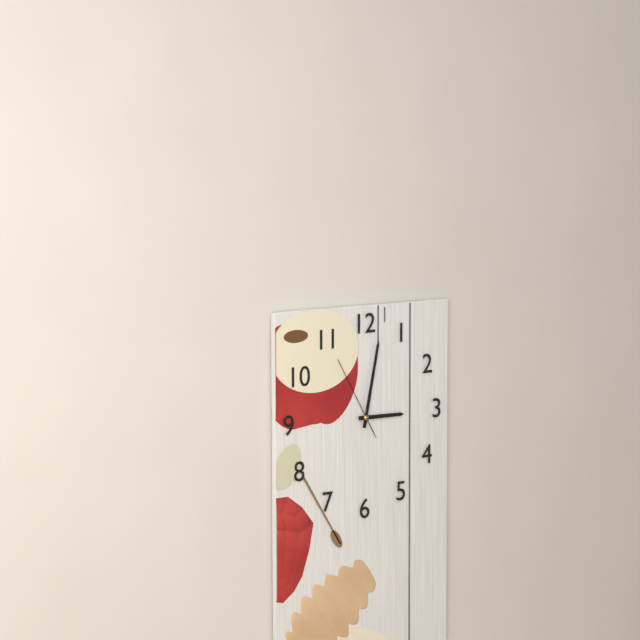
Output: **3:02:55**
